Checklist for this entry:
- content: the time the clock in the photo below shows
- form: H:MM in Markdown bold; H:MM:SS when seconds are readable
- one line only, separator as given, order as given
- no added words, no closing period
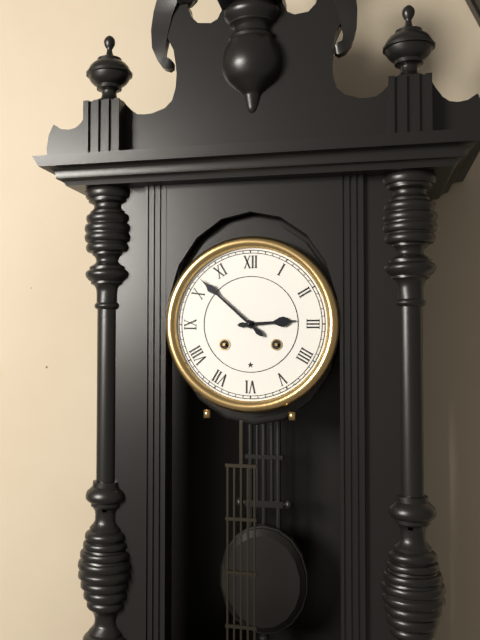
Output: **2:52**
